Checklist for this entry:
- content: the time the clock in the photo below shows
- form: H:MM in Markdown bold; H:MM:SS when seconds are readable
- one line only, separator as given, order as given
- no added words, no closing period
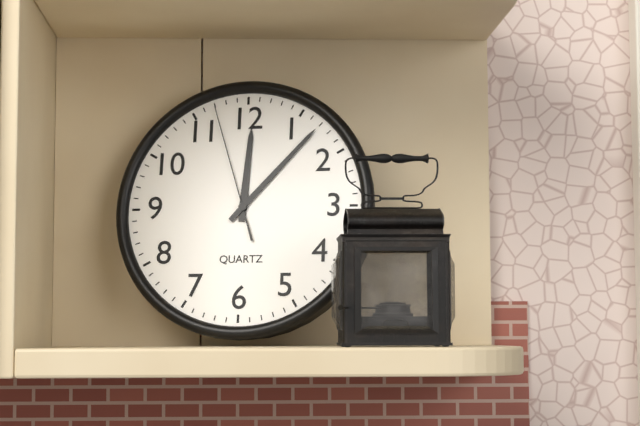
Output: **12:07:57**
